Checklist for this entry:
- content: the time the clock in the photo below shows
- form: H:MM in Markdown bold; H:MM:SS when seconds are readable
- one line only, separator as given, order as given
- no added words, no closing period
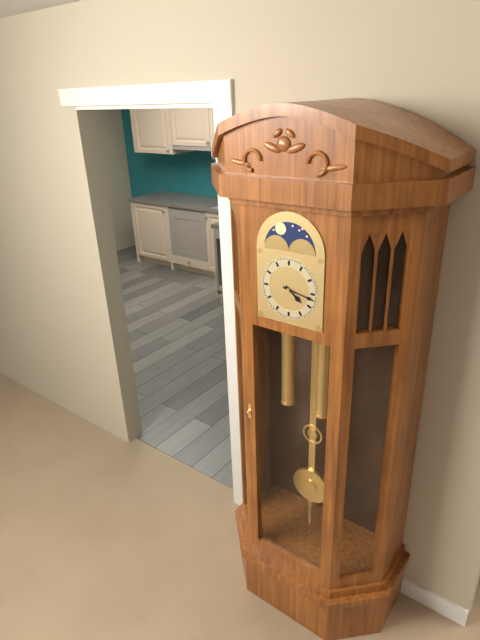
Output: **4:17**
